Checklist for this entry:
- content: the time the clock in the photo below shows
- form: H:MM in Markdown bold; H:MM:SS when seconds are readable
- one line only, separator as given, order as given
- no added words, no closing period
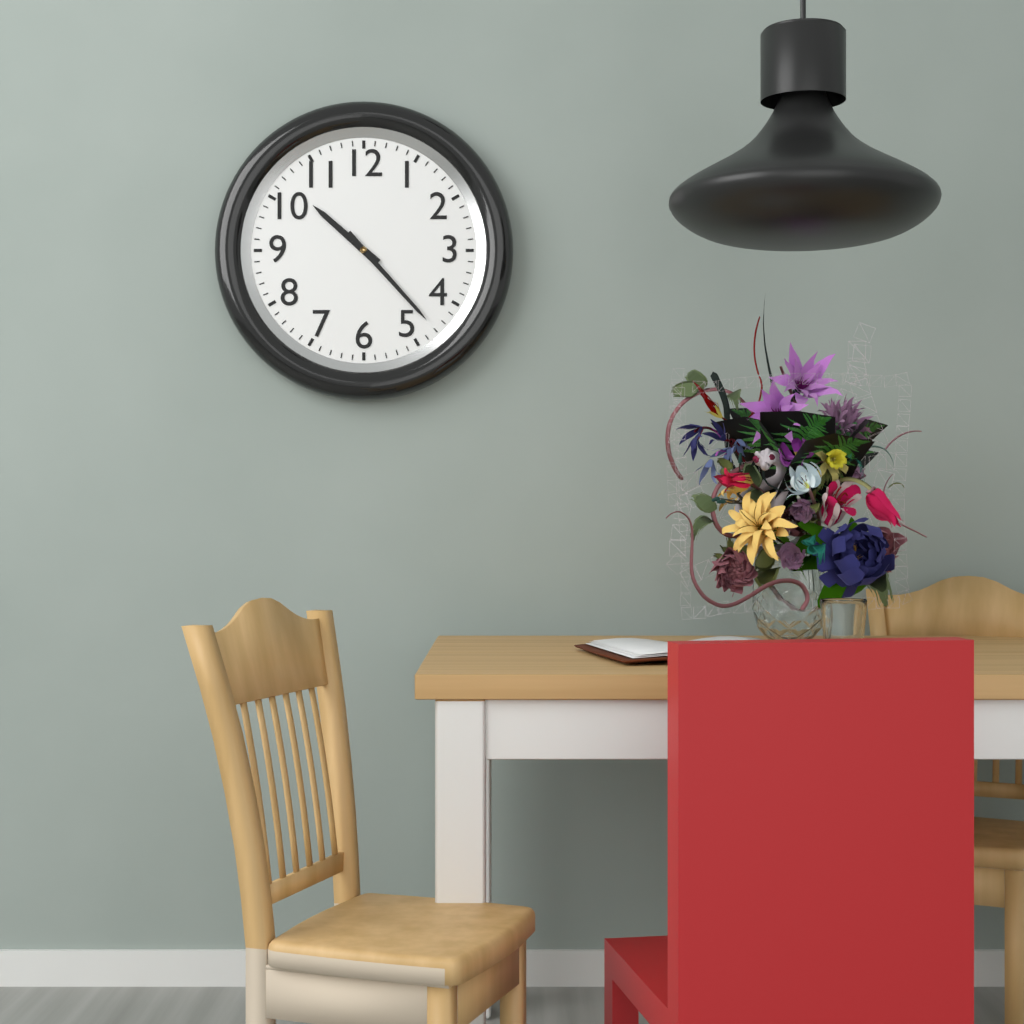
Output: **10:23**
